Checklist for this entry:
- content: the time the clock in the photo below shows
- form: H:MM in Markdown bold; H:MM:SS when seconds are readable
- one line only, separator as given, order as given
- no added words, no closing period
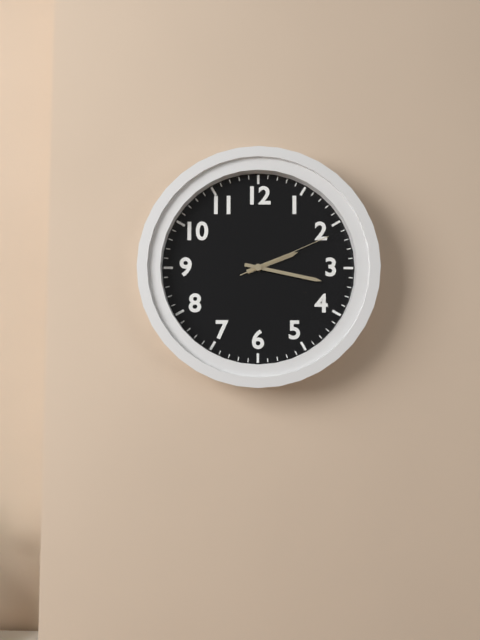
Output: **2:17:11**
